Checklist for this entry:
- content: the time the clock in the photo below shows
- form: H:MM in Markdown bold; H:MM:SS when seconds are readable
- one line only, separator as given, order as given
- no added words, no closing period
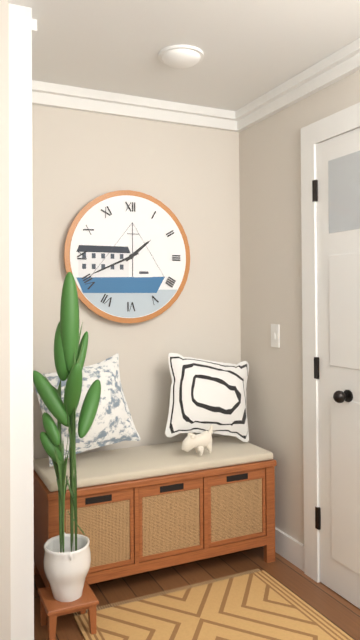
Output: **1:41**
